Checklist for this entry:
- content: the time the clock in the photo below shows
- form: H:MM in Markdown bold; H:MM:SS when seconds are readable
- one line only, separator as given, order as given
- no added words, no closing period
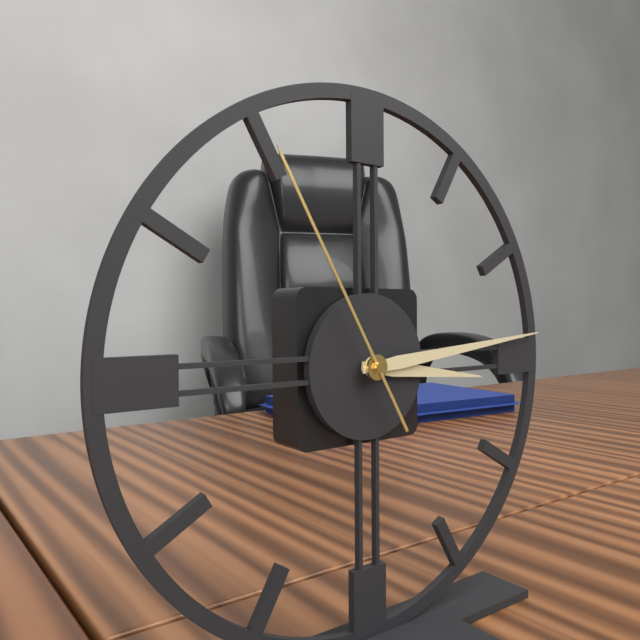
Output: **3:14:55**
